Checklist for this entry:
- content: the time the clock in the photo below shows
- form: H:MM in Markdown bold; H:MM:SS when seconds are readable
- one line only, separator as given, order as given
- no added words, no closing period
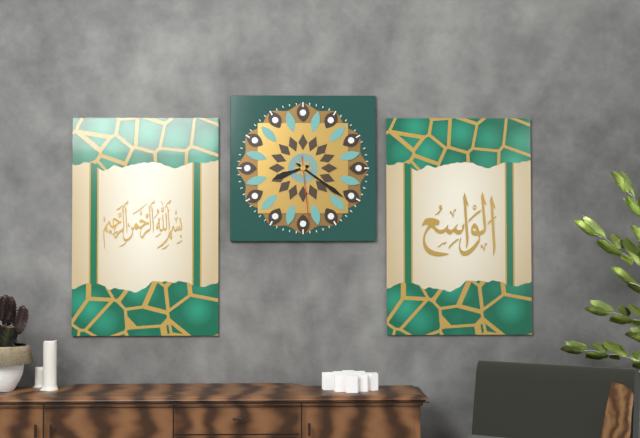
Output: **8:21:29**
